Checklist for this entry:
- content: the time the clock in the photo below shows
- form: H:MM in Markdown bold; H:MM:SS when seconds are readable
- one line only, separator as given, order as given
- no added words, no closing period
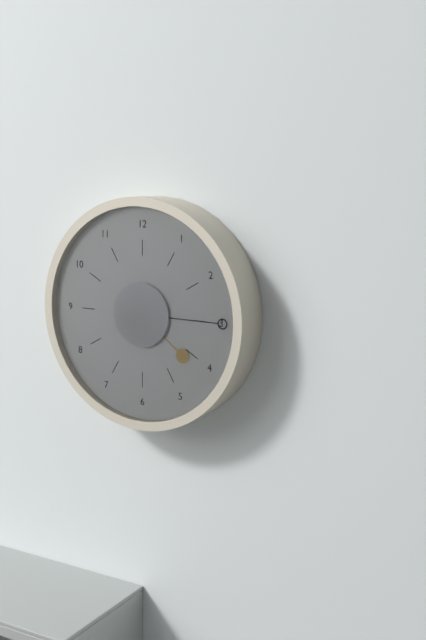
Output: **4:15**
